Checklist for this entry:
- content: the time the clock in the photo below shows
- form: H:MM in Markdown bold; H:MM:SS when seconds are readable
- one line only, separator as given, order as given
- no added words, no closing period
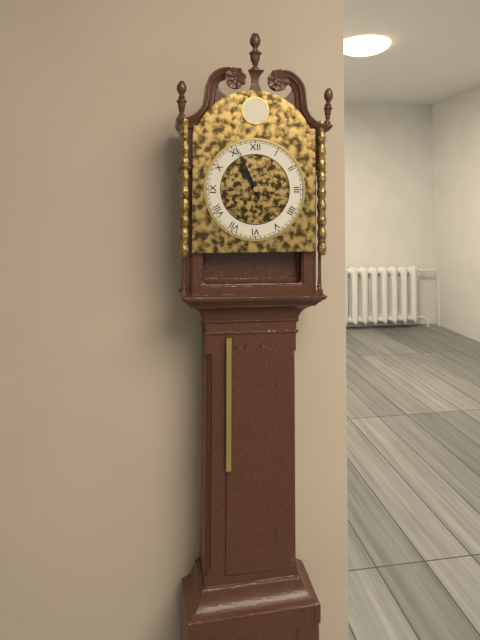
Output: **10:56**
